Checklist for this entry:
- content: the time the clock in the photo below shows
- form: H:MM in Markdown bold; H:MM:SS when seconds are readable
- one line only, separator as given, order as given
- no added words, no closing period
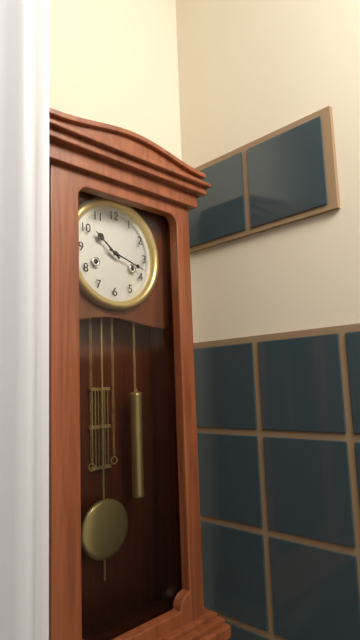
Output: **10:18**
